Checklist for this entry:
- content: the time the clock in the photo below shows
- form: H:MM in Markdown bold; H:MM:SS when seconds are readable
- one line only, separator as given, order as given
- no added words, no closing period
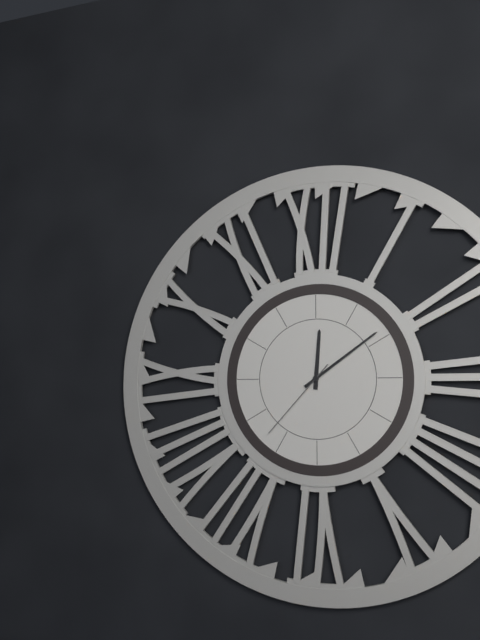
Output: **12:09:37**
